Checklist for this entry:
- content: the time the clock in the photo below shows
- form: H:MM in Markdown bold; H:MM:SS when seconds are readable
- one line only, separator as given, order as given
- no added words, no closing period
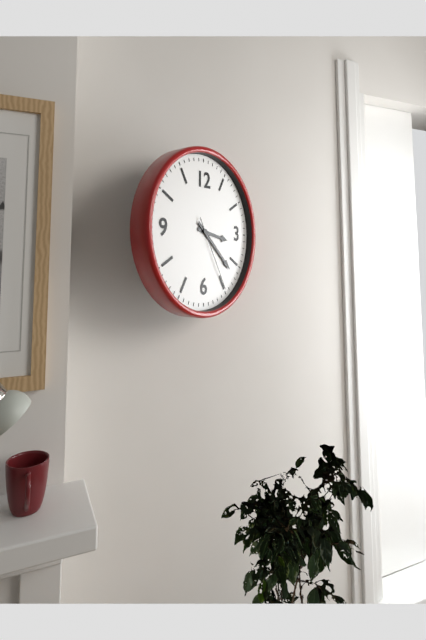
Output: **3:22:25**
